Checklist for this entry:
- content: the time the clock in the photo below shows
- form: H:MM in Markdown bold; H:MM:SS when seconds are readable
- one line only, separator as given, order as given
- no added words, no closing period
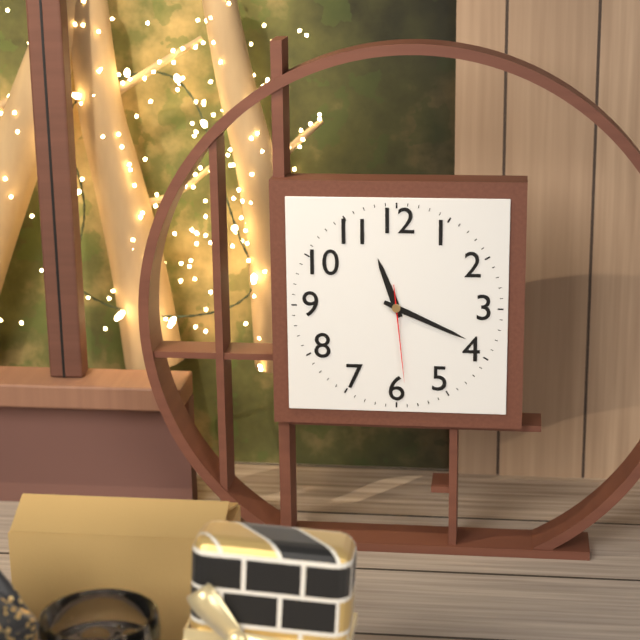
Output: **11:19:29**
